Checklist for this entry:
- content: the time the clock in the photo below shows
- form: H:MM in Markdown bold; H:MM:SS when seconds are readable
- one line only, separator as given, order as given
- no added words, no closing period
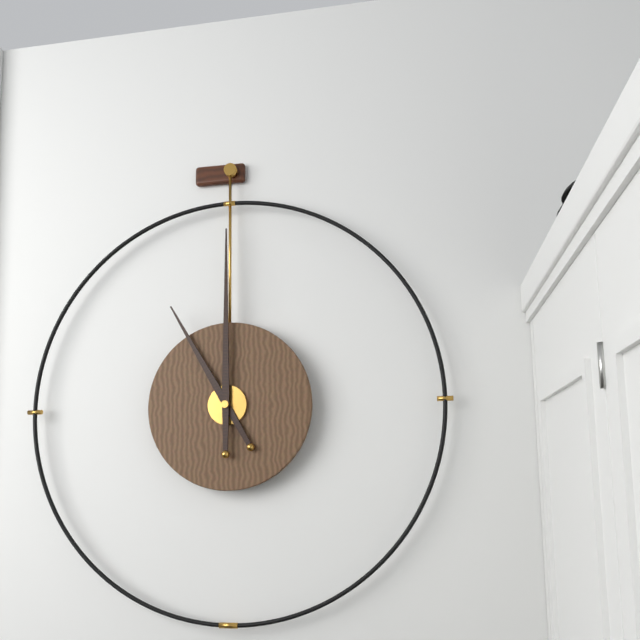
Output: **11:00**
